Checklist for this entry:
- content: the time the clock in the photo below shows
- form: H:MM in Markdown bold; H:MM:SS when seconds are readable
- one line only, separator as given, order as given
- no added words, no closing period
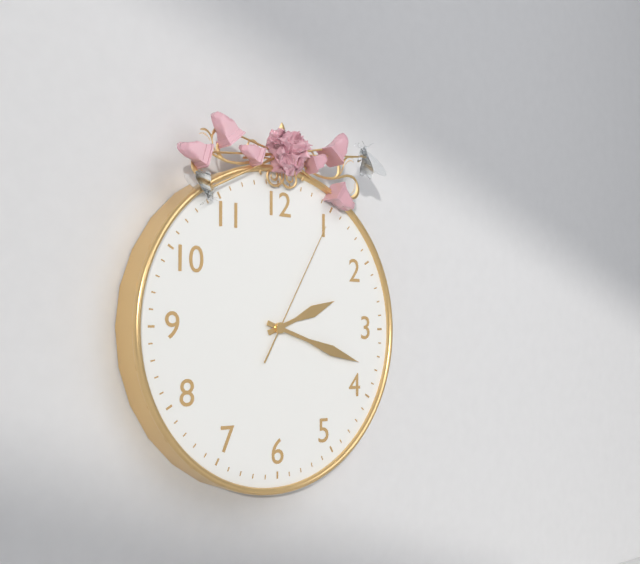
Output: **2:18:05**
